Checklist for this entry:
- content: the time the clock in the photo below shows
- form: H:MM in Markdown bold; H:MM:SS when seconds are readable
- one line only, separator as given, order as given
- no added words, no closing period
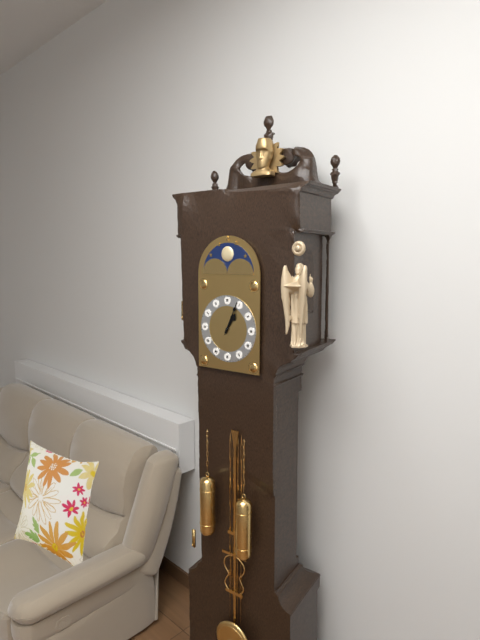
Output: **1:04**
